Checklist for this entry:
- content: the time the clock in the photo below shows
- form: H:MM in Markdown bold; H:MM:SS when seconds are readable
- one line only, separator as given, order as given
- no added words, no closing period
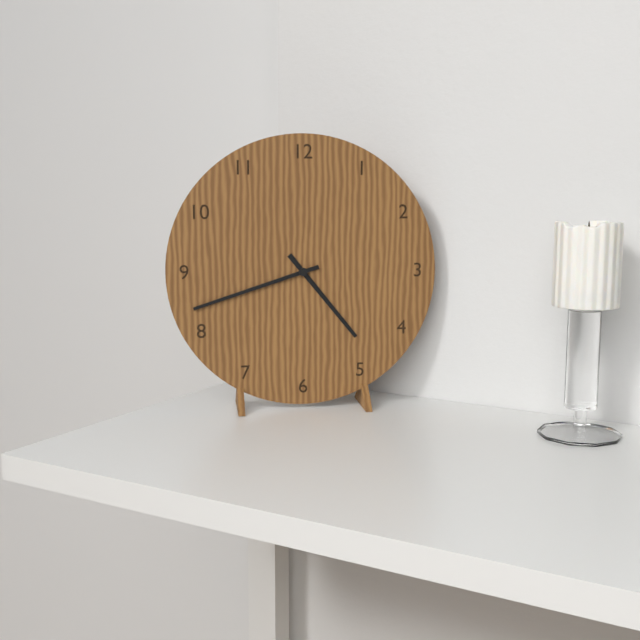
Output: **4:42**
